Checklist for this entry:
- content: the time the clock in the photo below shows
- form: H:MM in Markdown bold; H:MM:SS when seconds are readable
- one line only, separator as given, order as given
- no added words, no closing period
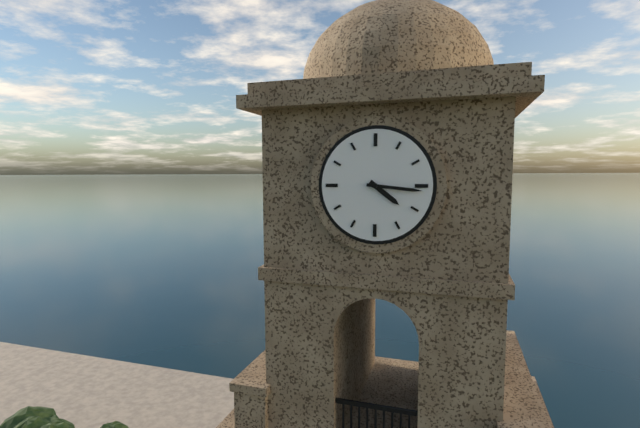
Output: **4:16**
